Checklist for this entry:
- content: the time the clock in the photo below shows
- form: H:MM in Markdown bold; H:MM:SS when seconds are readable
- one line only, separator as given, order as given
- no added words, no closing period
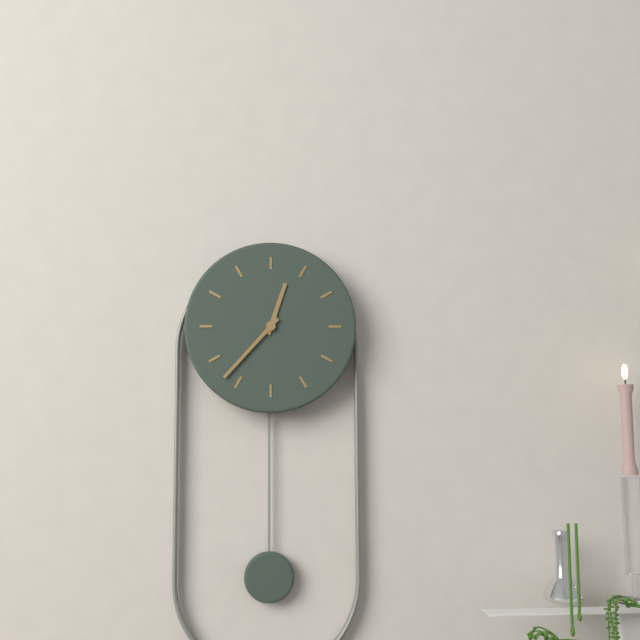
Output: **12:37**
